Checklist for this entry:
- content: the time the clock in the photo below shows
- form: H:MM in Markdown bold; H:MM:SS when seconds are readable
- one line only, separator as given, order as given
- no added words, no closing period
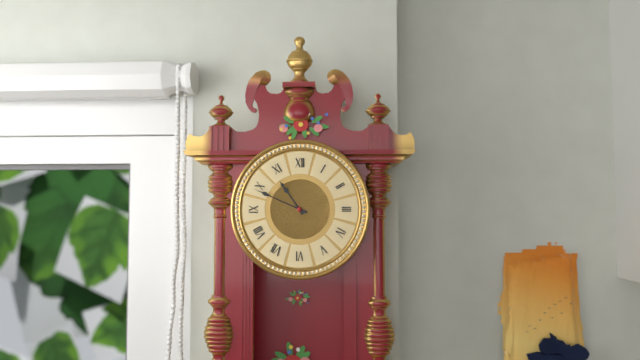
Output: **10:49**
